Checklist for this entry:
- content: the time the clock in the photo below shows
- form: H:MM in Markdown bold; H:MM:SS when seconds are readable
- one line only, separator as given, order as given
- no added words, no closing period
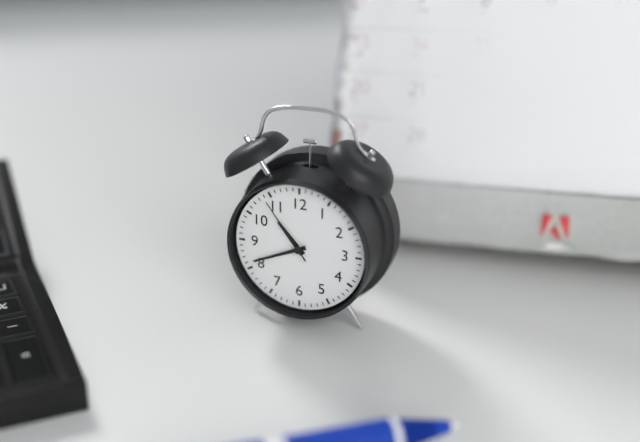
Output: **10:41:54**
